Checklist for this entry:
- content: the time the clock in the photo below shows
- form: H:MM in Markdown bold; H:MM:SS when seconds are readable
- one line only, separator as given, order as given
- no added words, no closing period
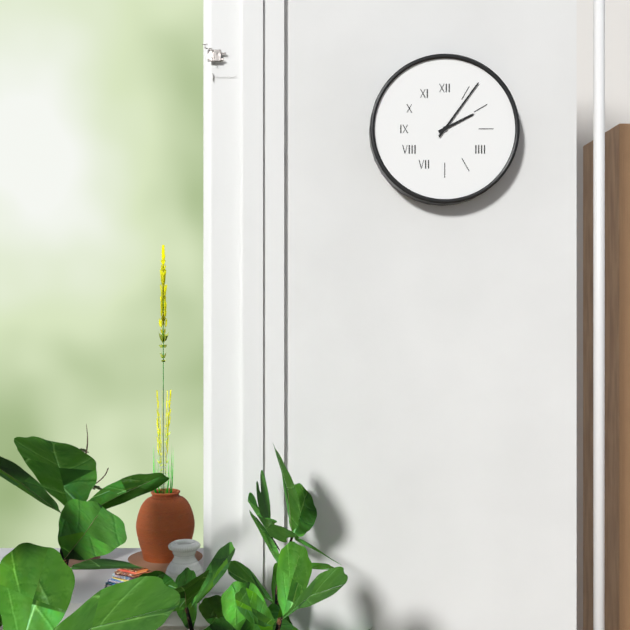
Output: **2:06**
